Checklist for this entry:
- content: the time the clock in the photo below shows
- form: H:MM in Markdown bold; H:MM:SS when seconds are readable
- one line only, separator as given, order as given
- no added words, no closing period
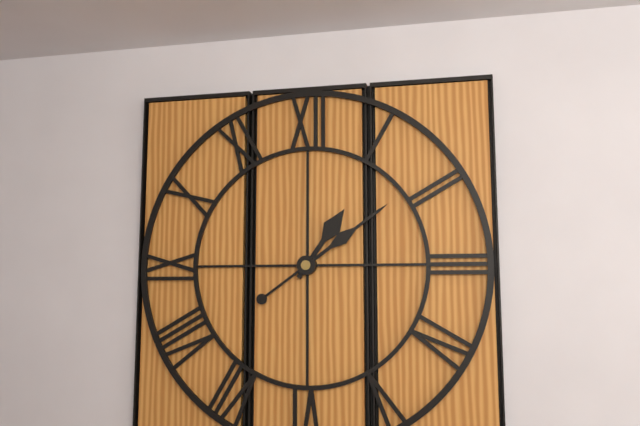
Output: **1:09**
